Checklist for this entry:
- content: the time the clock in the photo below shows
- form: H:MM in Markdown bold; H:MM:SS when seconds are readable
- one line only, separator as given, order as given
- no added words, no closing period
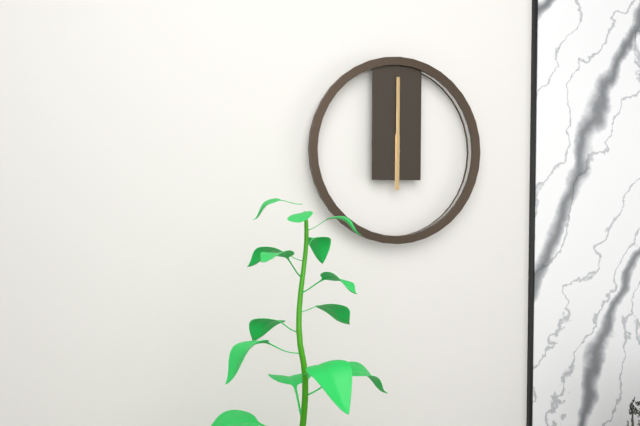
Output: **6:00**
